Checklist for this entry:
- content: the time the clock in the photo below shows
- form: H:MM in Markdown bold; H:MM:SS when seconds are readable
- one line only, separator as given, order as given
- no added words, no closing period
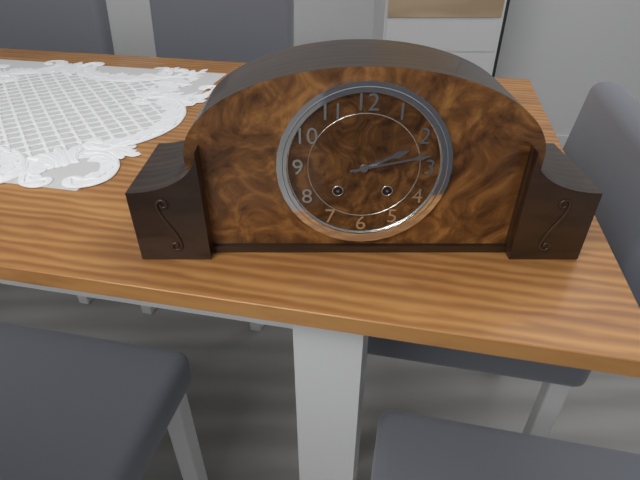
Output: **2:13**
